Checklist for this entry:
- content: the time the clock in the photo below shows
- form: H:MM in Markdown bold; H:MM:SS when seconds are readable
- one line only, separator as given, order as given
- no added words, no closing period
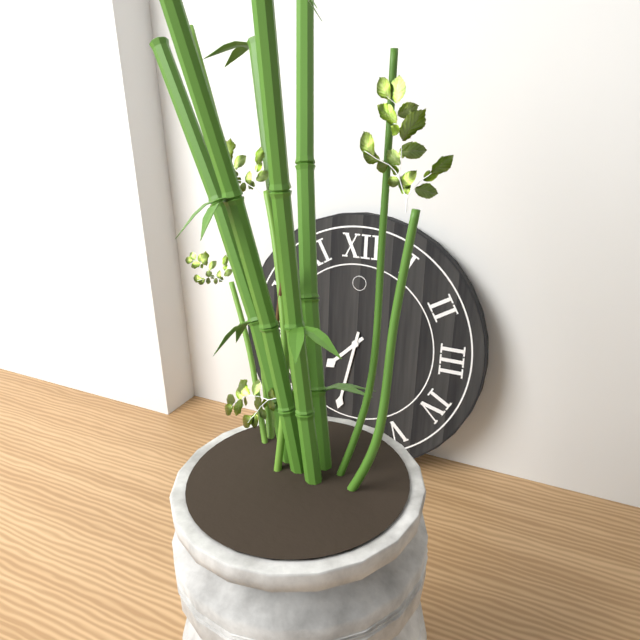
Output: **7:32**
